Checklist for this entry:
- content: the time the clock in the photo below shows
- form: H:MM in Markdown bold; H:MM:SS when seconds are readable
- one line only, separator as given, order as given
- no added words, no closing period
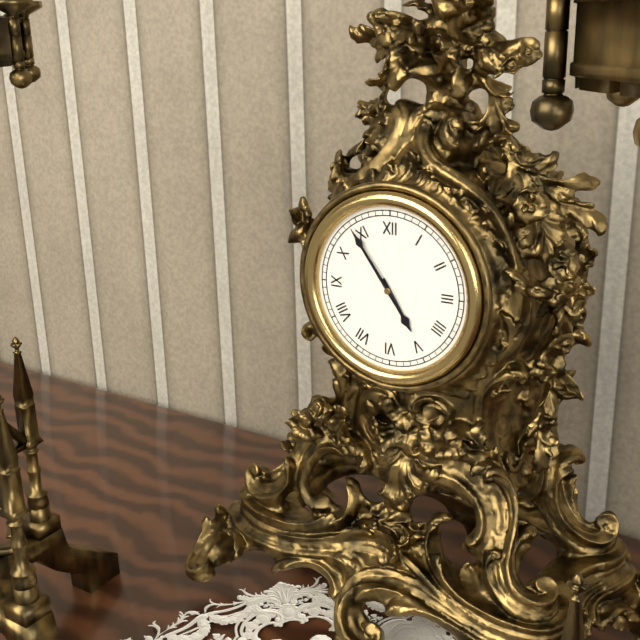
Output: **4:54**
